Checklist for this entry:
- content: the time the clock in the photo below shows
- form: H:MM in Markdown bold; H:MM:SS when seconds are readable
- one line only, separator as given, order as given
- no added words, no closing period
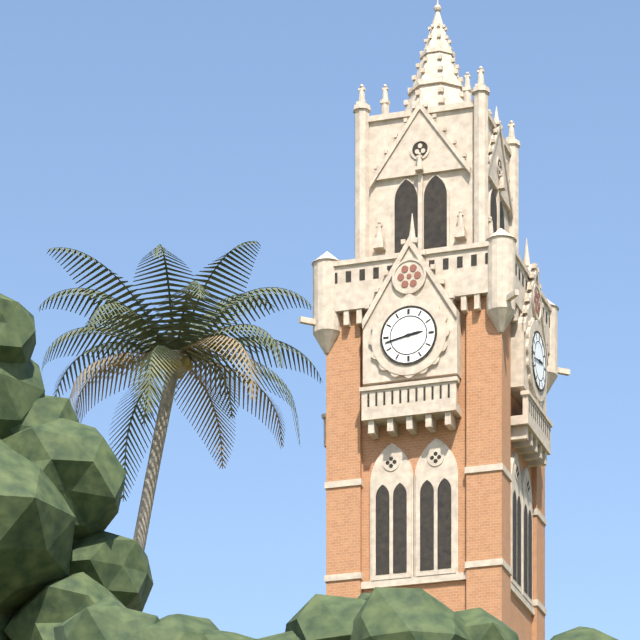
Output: **2:43**
